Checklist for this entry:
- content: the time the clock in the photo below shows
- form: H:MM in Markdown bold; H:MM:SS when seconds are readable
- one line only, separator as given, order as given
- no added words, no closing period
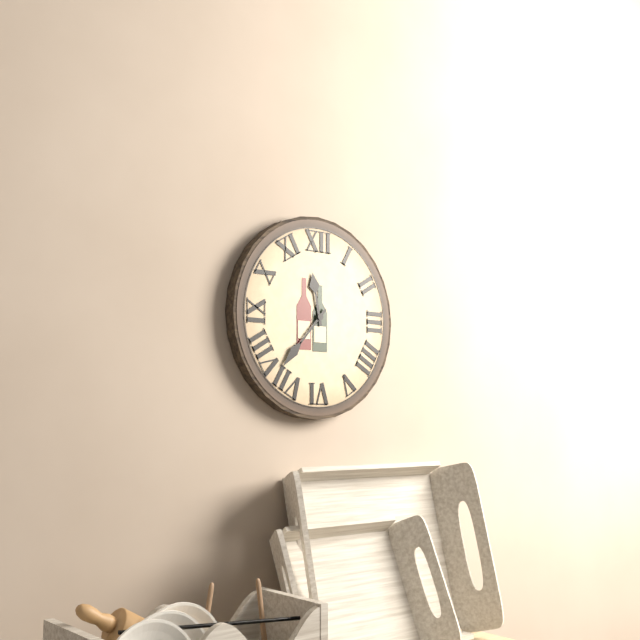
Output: **11:37**
